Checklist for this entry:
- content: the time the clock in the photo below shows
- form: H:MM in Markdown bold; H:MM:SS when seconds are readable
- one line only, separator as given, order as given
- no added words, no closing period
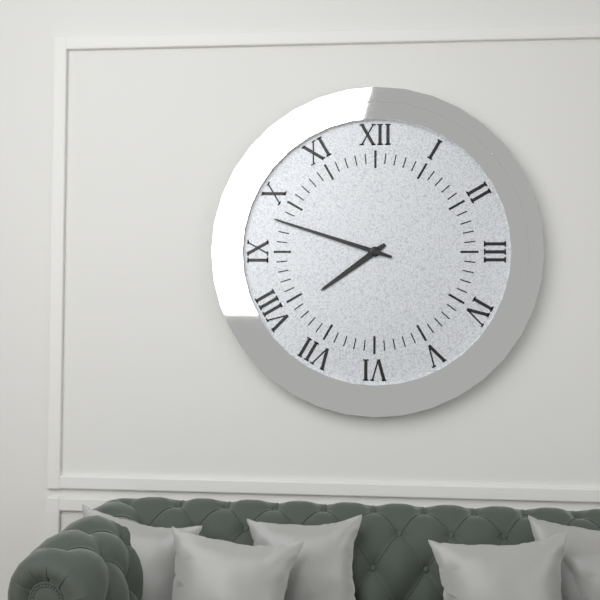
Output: **7:48**
